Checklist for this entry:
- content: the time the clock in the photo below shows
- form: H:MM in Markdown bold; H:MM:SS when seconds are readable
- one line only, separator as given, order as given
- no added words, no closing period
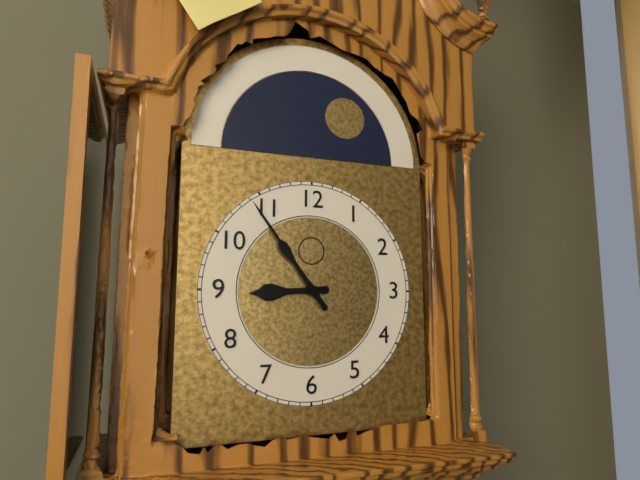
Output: **8:54**
